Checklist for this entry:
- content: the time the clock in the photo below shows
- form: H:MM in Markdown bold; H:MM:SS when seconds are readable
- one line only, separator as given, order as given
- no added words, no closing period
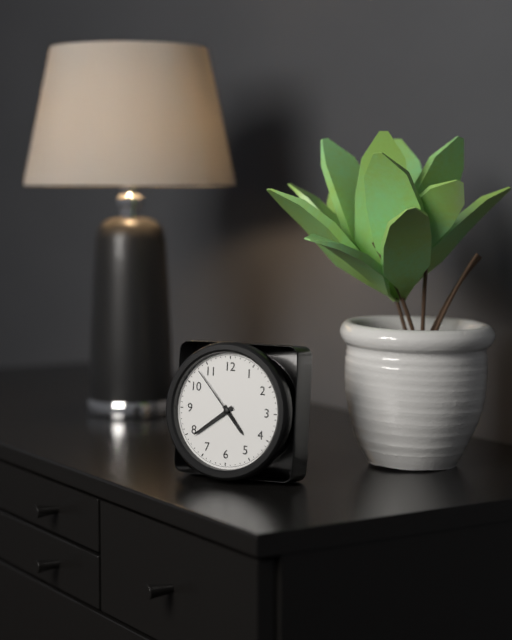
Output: **4:39:53**
